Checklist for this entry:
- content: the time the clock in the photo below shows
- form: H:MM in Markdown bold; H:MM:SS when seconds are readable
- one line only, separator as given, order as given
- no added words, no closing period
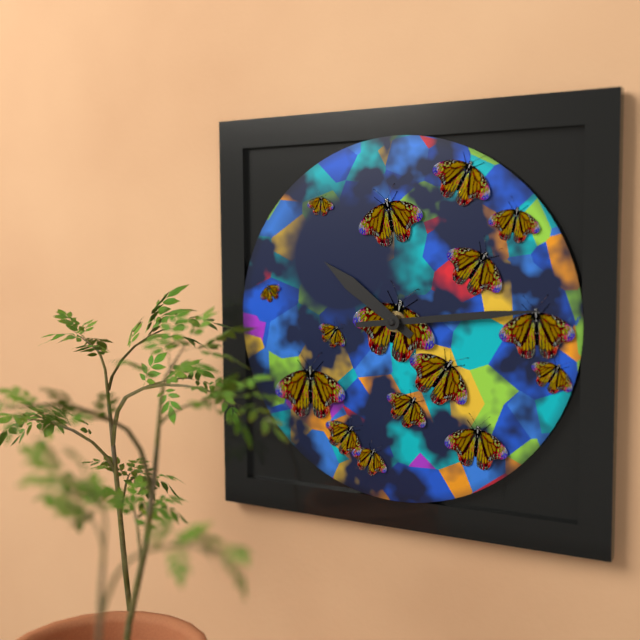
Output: **10:14**
